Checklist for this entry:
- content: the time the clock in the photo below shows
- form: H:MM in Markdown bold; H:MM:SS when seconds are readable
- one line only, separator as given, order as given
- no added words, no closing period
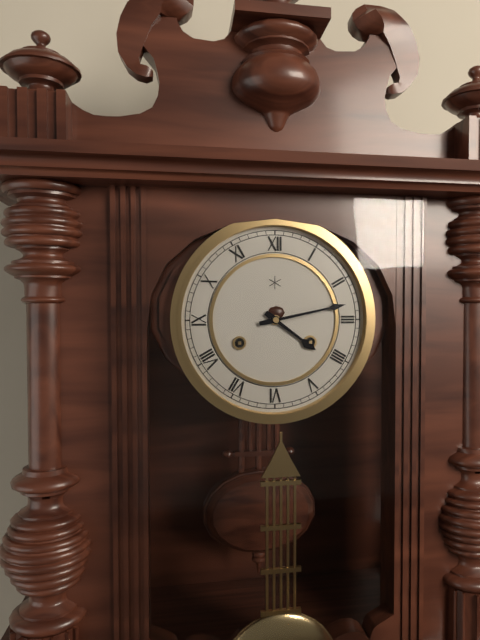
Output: **4:13**
